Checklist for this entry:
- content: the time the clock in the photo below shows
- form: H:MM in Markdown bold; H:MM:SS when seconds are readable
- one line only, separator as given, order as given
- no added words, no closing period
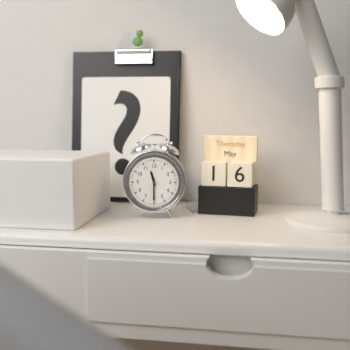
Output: **11:30**
